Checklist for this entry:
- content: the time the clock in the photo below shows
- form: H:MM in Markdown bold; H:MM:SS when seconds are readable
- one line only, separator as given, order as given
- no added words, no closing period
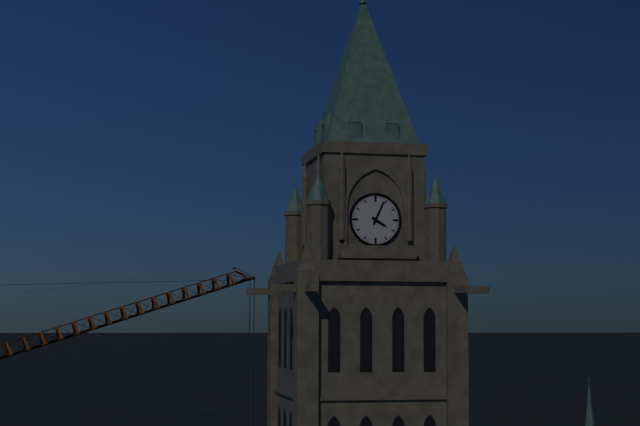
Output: **4:04**
